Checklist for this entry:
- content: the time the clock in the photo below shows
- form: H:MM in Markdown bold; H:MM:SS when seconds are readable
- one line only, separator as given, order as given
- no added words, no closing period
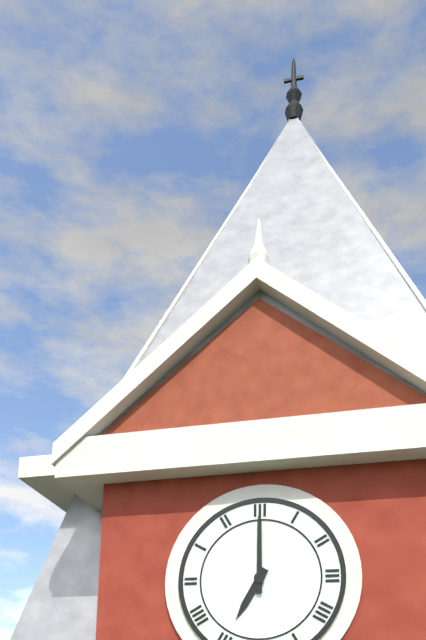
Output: **7:00**
